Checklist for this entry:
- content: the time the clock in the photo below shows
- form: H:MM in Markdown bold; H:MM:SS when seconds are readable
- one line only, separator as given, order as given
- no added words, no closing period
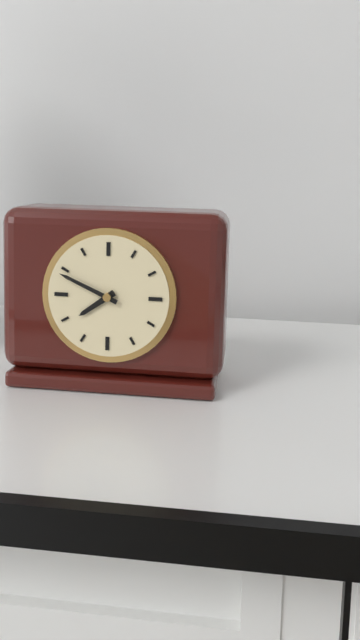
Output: **7:49**
